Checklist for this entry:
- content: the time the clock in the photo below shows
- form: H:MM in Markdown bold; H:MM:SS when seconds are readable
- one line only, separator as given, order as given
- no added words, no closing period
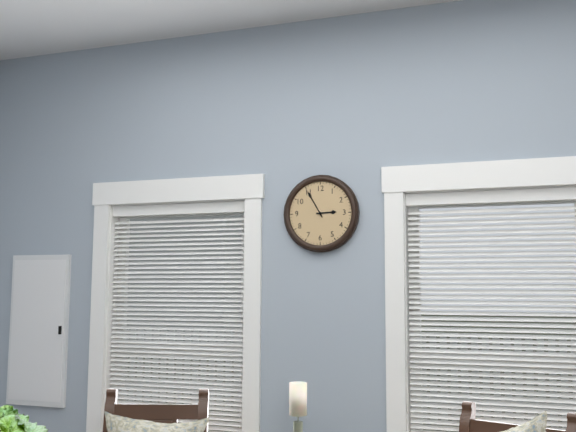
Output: **2:55**
